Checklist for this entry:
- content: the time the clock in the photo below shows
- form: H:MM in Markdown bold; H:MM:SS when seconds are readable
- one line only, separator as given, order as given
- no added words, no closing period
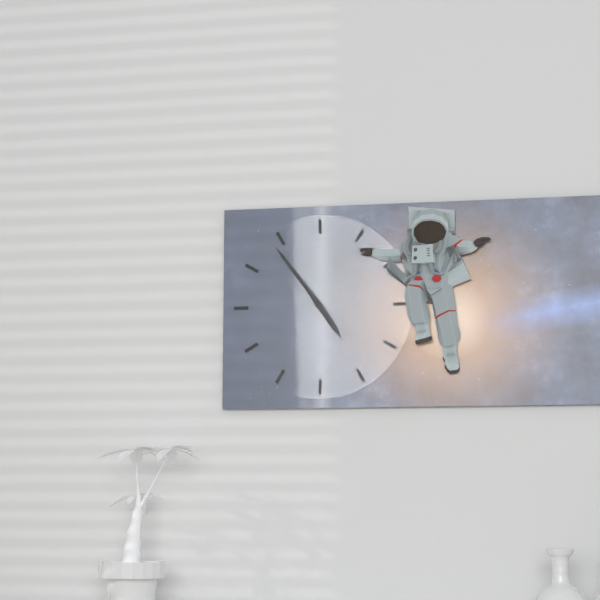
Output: **4:54**
